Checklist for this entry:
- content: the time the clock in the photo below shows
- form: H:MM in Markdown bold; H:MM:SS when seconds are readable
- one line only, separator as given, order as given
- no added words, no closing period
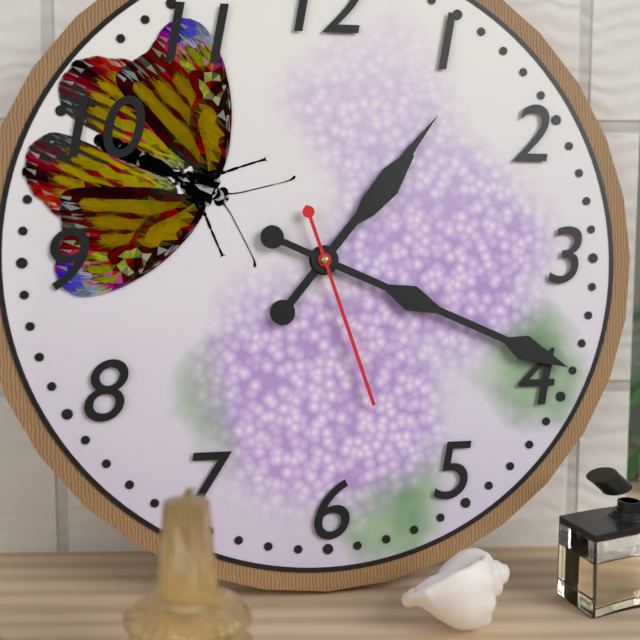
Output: **1:19:27**
